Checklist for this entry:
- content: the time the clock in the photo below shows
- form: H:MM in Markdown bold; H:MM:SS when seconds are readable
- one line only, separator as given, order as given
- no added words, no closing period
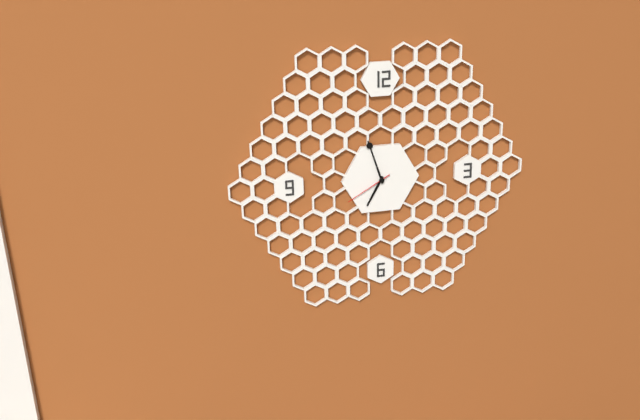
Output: **6:57:40**
